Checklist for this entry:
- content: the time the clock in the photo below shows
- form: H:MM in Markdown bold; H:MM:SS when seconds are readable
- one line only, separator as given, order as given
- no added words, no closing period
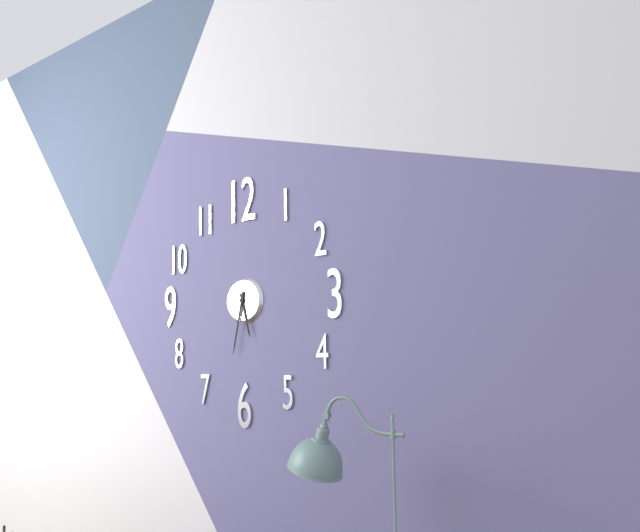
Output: **5:32**
